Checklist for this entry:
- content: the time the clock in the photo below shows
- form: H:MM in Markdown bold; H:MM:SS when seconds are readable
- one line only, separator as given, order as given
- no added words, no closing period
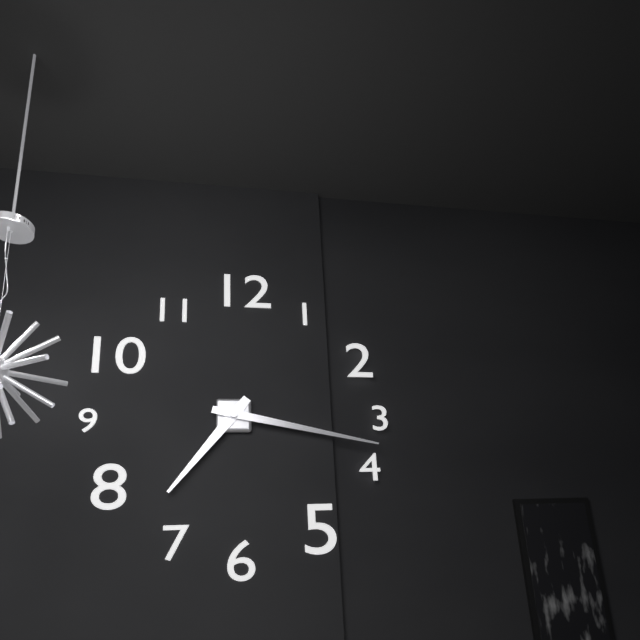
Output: **7:17**
